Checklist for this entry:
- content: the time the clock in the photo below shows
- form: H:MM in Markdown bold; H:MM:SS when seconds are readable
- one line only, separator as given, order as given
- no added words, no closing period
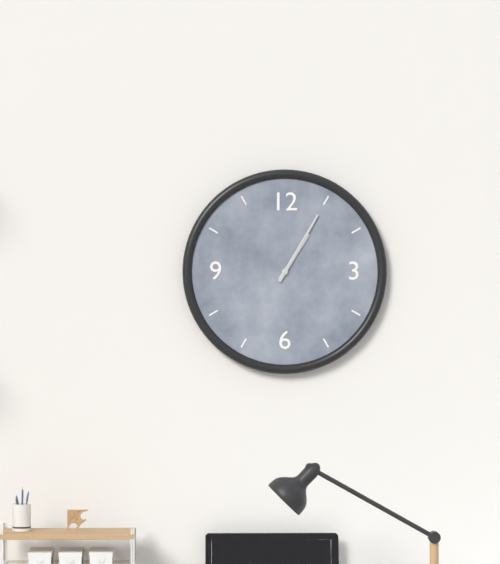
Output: **1:05**
